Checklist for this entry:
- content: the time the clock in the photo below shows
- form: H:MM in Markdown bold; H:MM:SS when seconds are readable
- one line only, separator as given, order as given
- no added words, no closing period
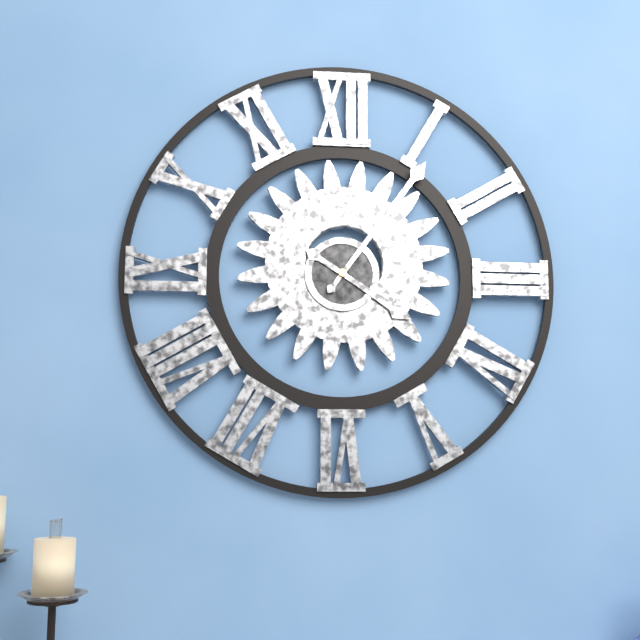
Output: **4:06**
